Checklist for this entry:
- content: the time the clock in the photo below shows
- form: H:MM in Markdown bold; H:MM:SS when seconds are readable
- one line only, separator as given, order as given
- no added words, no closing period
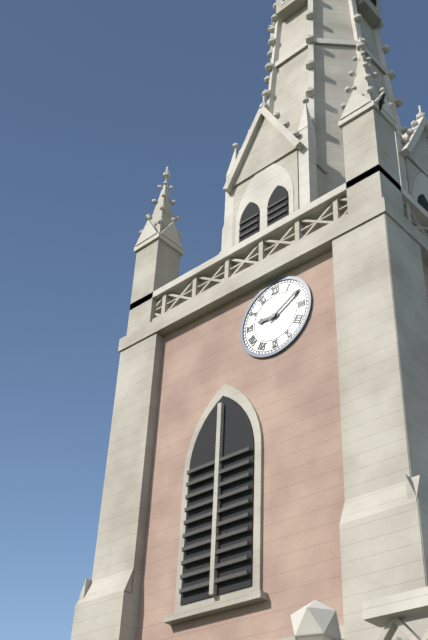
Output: **9:10**
